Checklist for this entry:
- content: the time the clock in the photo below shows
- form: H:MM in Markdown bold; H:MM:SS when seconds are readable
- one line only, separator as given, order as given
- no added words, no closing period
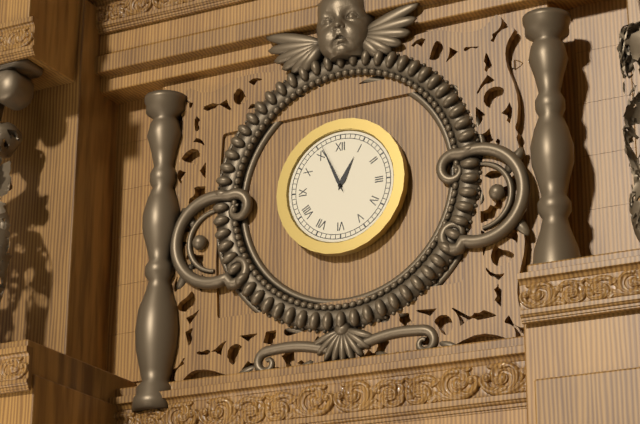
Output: **12:56**
